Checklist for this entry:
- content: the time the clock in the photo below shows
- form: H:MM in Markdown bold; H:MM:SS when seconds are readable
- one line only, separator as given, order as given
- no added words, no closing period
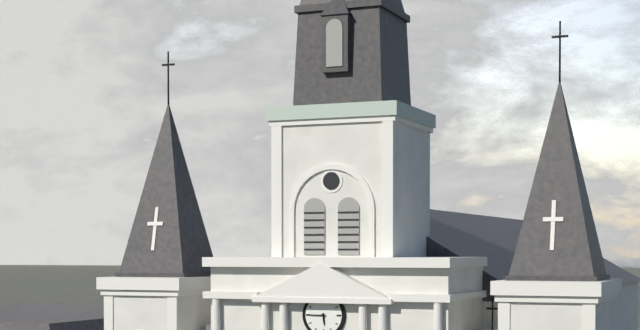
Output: **5:45**
